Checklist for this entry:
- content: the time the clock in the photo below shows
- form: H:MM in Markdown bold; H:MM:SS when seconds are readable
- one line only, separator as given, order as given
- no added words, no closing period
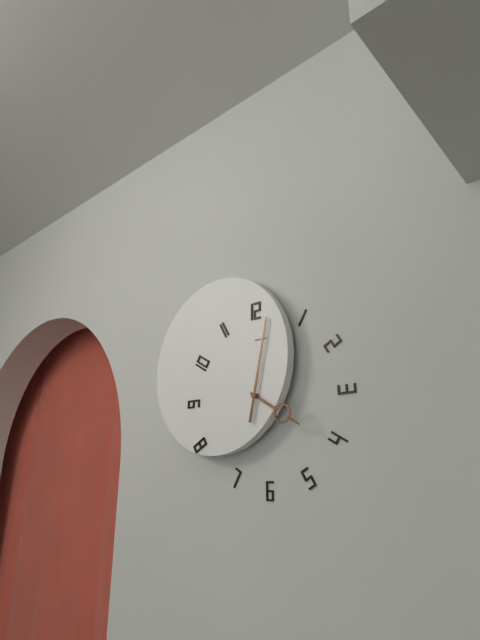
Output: **4:02**
